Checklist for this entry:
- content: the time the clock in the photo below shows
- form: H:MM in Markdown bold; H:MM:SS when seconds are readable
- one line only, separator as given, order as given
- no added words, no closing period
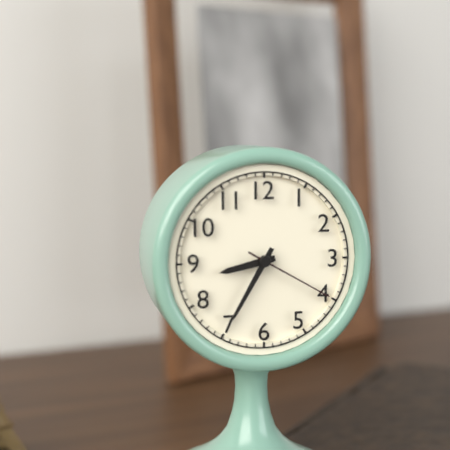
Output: **8:35:20**
